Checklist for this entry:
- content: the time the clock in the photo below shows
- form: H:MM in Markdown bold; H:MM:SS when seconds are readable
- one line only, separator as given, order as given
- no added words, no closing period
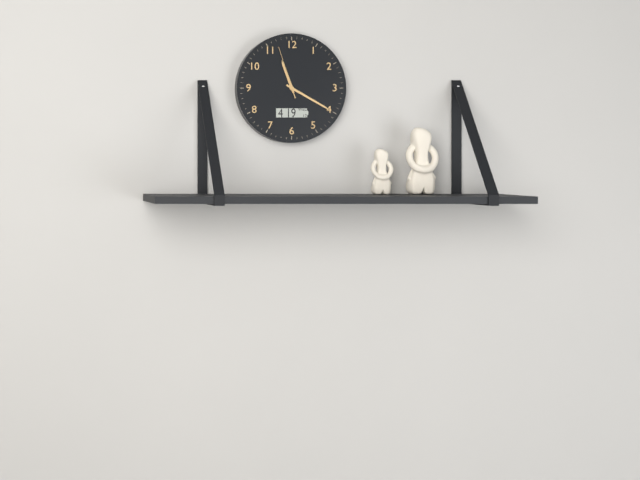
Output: **11:20:57**
